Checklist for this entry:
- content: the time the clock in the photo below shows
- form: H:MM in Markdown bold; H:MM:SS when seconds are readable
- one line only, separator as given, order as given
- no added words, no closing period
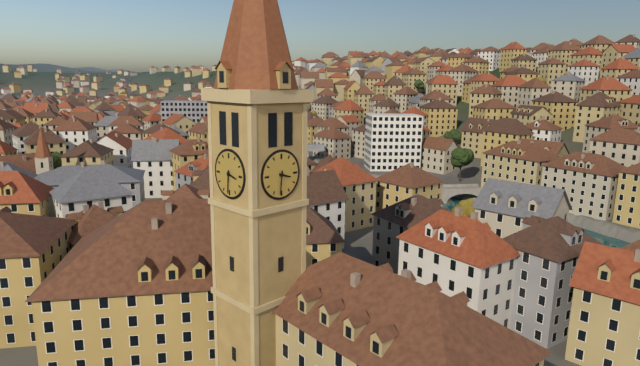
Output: **3:31**
